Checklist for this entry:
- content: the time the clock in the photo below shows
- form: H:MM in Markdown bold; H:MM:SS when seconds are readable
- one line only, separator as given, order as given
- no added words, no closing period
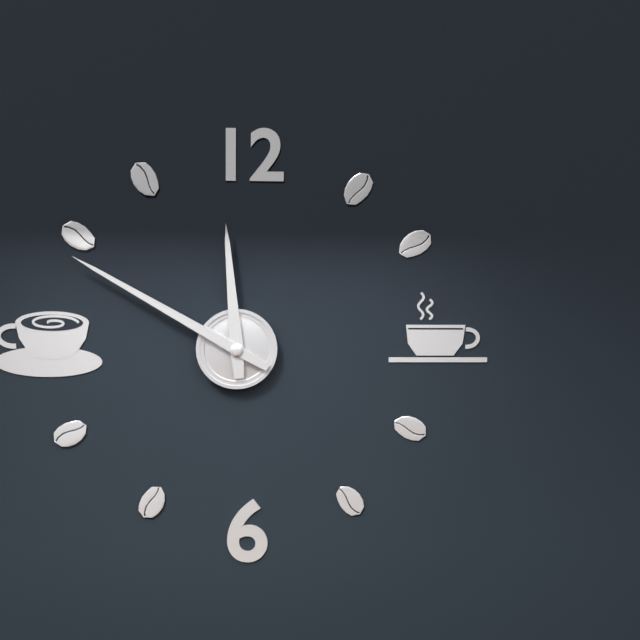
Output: **11:50**
